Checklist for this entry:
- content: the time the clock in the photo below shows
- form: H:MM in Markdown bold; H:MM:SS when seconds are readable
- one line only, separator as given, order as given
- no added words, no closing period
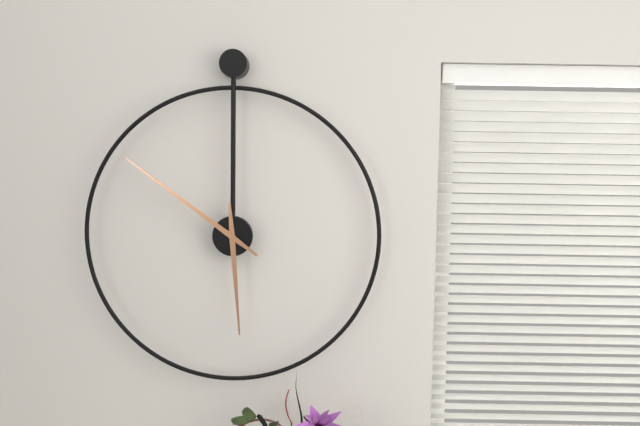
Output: **5:51**
